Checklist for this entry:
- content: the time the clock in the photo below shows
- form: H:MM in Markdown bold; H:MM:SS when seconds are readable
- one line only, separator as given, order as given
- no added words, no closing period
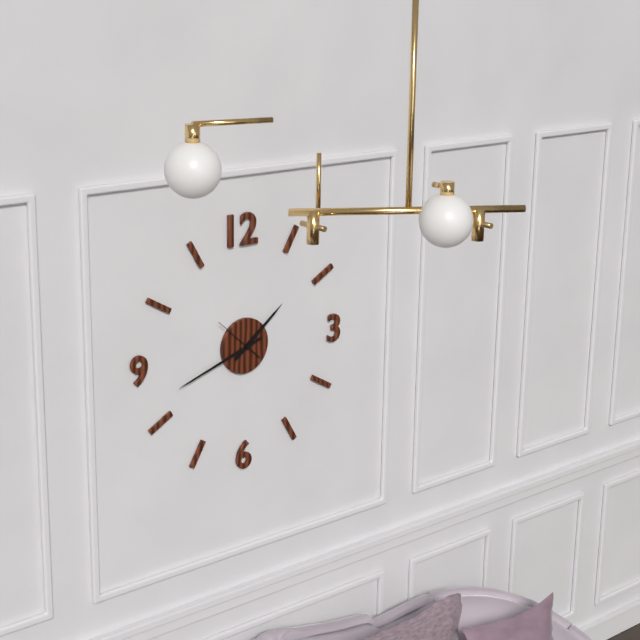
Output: **1:42**
